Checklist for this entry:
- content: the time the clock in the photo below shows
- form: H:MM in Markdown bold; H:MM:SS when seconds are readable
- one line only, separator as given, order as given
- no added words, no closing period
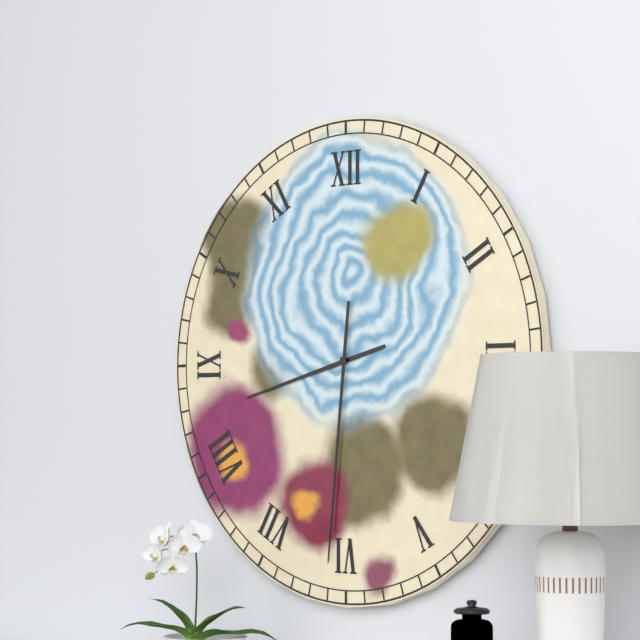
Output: **8:31**
